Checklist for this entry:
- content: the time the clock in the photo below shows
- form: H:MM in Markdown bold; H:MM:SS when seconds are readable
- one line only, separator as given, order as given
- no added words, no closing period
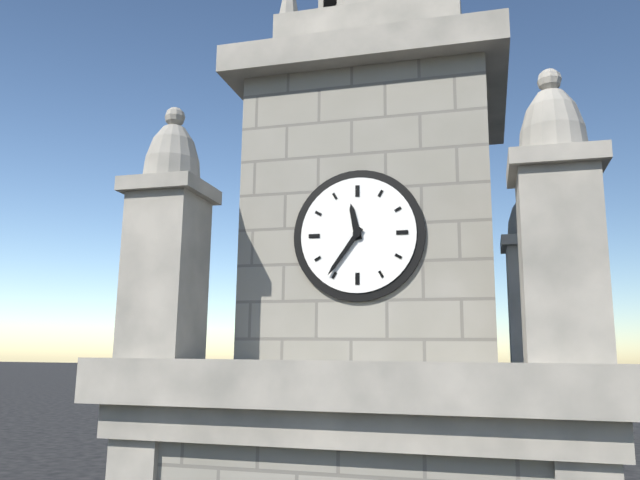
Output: **11:36**
